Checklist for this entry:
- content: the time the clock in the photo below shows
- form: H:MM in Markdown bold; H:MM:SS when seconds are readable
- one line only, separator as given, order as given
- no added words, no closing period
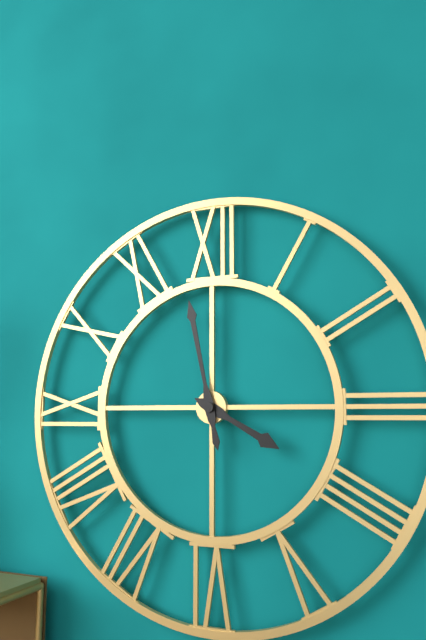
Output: **3:58**
